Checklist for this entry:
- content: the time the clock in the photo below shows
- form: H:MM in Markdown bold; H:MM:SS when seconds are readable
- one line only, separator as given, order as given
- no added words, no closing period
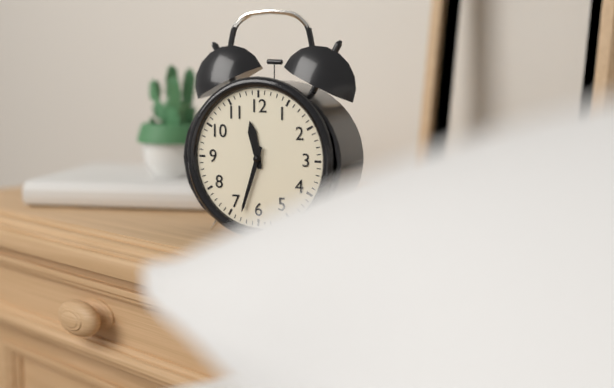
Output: **11:33**
